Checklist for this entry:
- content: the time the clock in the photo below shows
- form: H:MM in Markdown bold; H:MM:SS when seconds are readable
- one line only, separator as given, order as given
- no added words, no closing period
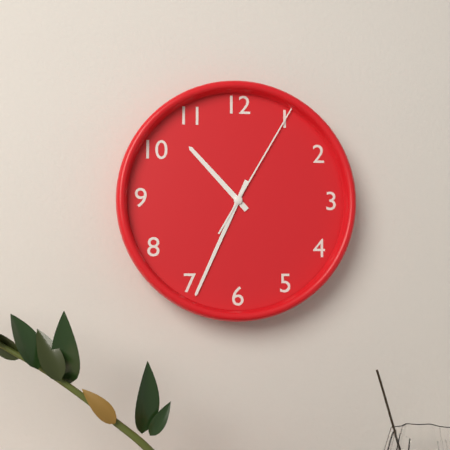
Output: **10:34:05**
